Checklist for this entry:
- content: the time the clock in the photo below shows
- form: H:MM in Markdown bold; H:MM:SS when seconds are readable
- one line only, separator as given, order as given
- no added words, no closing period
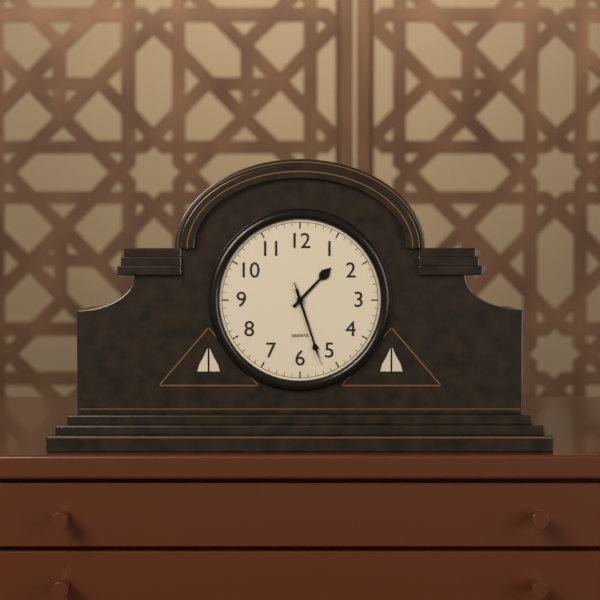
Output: **1:27:27**
